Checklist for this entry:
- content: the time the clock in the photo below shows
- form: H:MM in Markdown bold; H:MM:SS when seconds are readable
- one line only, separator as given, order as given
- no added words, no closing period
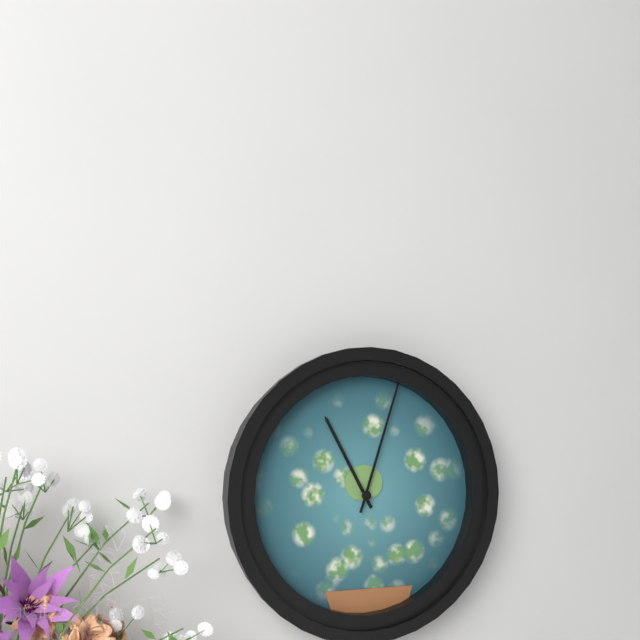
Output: **11:03**
